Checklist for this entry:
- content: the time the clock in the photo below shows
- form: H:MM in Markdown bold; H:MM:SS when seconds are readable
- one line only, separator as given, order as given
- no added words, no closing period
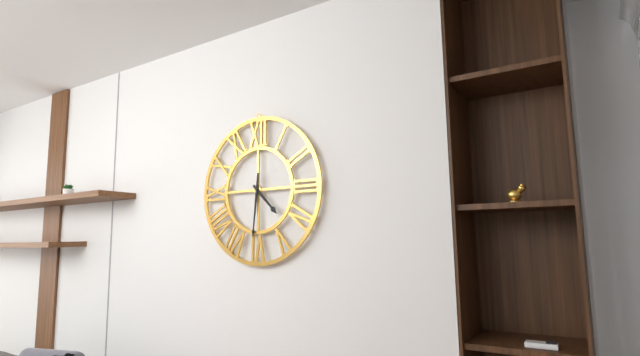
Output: **4:31**
